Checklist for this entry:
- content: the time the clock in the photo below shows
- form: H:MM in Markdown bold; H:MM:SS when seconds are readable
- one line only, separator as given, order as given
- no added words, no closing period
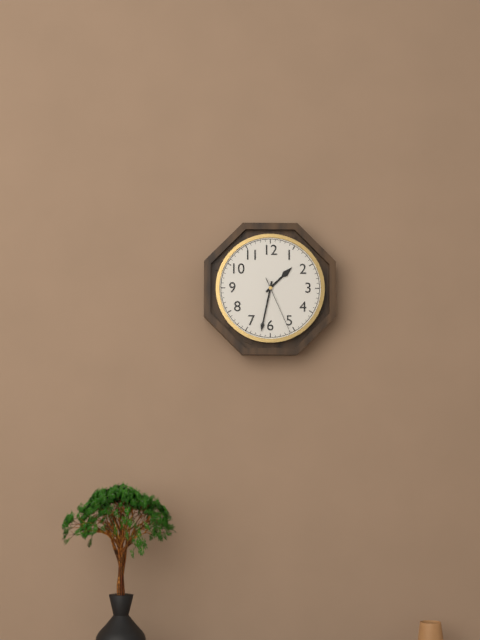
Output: **1:32:26**
